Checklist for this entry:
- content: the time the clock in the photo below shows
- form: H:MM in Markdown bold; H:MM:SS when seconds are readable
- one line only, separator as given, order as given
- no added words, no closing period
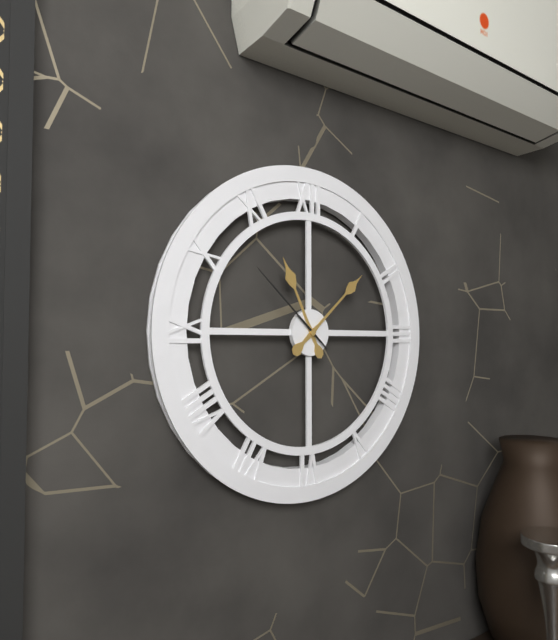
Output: **11:08:52**
